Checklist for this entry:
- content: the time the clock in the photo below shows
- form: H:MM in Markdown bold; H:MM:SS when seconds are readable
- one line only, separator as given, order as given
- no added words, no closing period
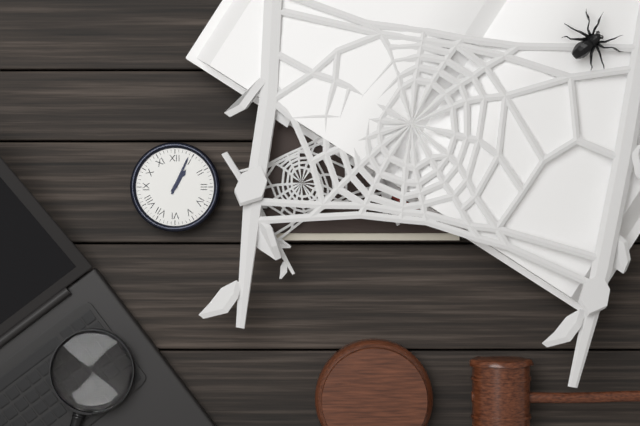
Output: **1:04**
